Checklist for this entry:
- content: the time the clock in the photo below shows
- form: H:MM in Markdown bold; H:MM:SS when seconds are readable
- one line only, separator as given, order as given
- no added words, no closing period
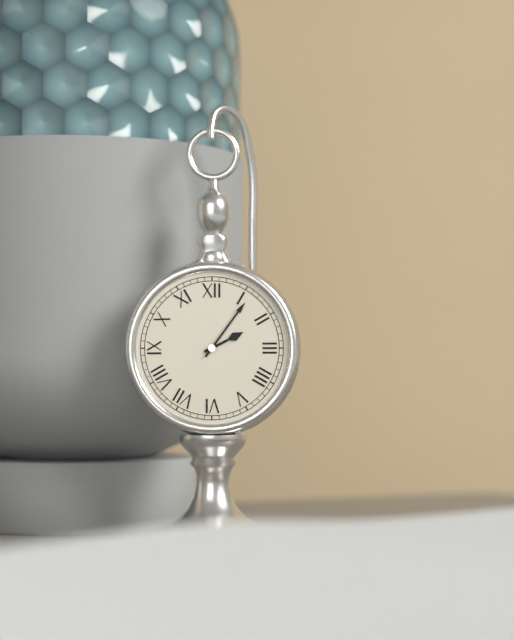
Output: **2:06**
